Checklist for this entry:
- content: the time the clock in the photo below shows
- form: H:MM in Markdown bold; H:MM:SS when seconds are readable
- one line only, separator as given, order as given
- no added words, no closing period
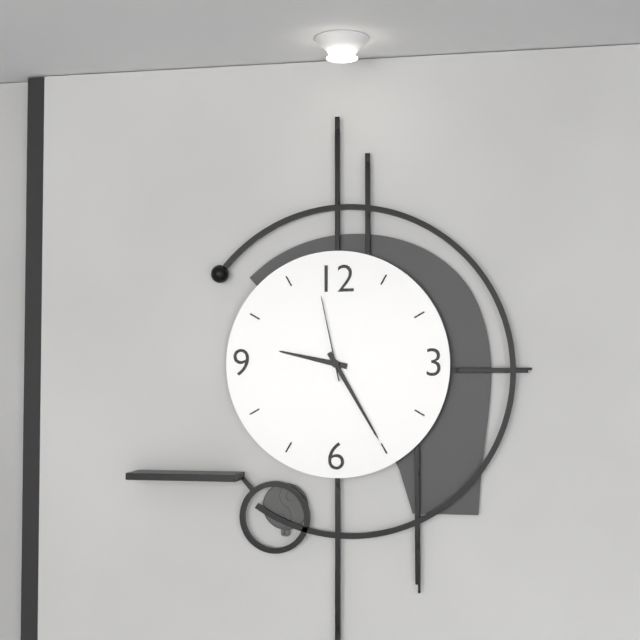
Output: **9:25:58**
